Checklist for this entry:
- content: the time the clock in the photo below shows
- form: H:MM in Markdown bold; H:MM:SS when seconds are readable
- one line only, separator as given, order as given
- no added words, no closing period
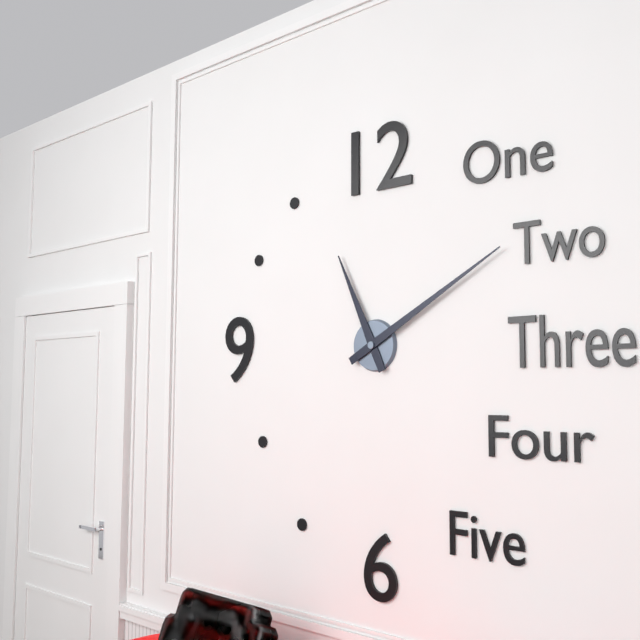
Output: **11:10**
